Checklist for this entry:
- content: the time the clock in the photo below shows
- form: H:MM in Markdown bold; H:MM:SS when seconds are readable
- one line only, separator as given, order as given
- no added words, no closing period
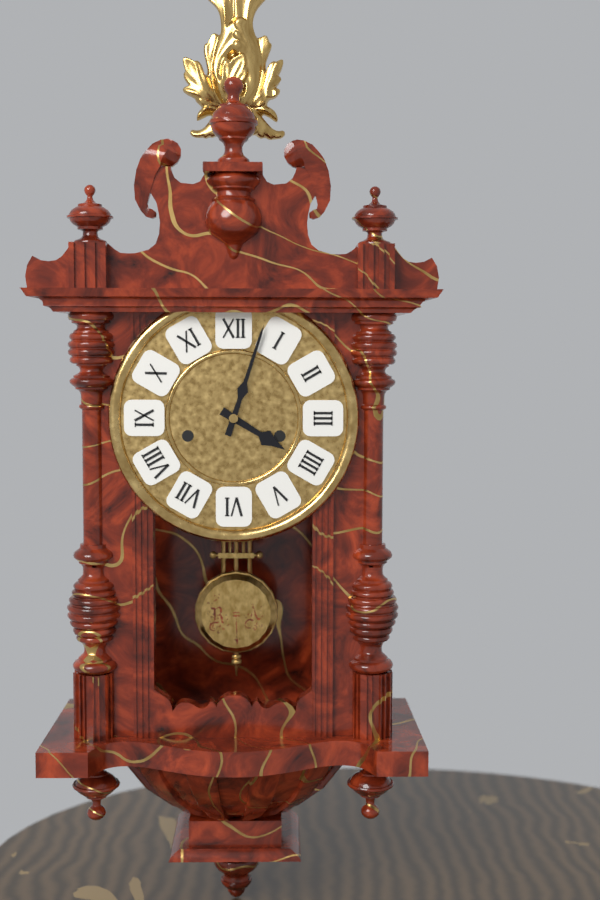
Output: **4:03**
